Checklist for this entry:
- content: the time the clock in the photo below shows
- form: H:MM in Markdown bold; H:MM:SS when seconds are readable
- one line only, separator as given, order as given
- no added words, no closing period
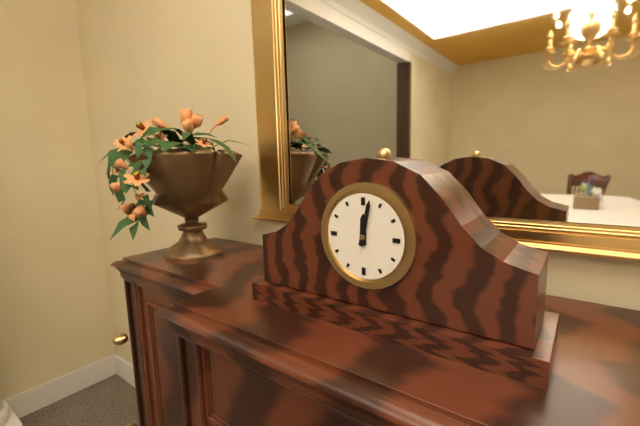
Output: **12:02**
